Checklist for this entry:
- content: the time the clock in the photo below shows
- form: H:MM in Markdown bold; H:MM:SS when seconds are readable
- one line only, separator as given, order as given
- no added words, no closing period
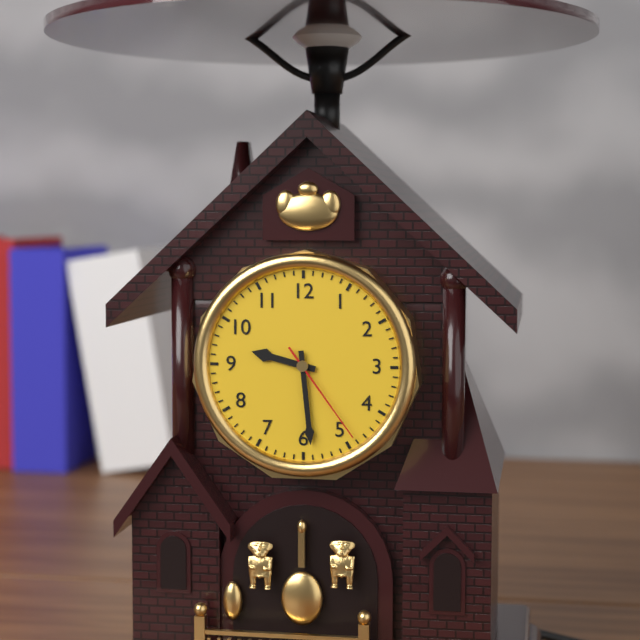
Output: **9:29:24**
